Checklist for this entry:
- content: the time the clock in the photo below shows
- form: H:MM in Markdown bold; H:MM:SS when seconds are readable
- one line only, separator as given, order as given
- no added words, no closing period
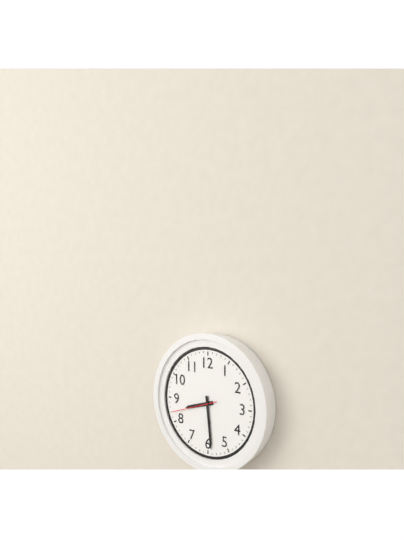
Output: **8:29**
